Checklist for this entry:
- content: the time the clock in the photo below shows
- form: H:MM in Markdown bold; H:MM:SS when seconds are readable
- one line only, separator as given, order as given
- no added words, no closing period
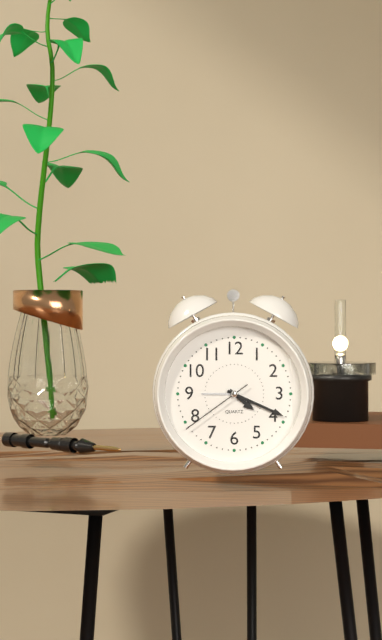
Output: **4:19:39**
